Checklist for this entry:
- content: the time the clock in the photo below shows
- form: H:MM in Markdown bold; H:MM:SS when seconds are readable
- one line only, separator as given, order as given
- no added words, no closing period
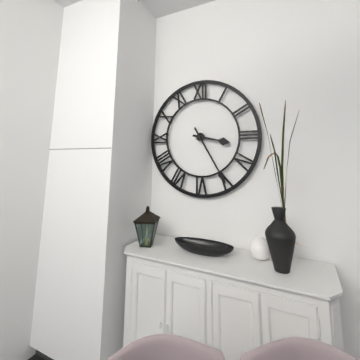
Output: **3:25**
